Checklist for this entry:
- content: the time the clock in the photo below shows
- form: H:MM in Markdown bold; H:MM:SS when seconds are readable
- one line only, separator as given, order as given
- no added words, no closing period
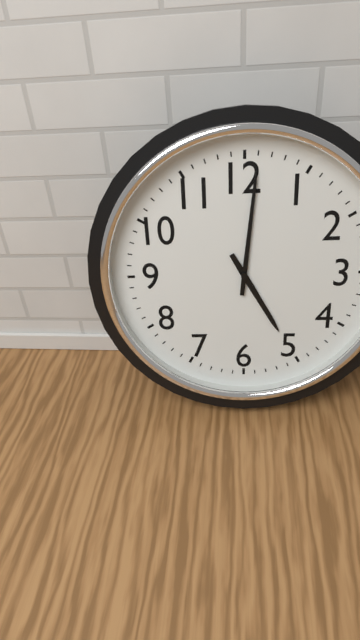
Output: **5:01**
